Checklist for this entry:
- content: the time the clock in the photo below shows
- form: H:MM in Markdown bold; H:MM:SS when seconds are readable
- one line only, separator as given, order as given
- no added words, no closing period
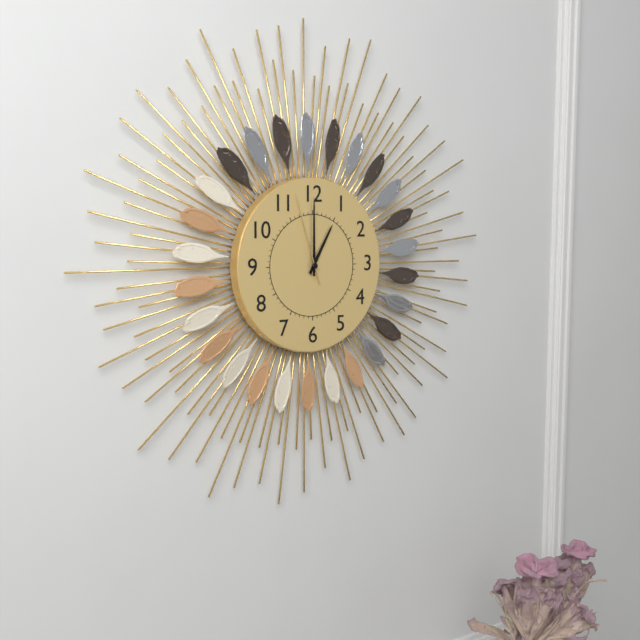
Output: **1:00:57**
